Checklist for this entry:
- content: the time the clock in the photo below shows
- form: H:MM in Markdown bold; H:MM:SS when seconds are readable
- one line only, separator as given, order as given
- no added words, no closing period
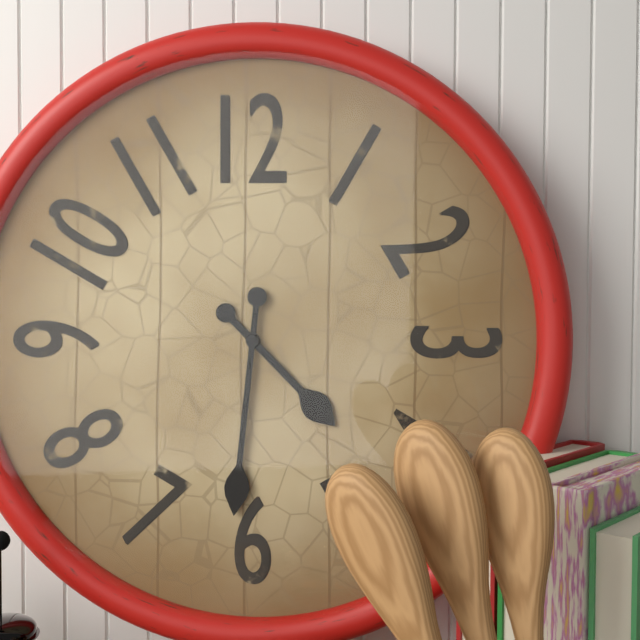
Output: **4:31**
